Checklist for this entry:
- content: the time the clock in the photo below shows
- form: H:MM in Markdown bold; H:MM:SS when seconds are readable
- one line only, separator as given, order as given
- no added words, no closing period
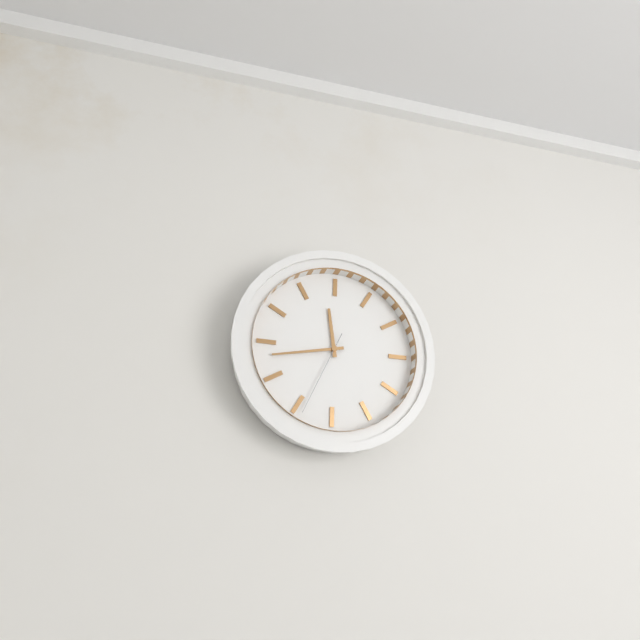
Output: **11:43:34**
